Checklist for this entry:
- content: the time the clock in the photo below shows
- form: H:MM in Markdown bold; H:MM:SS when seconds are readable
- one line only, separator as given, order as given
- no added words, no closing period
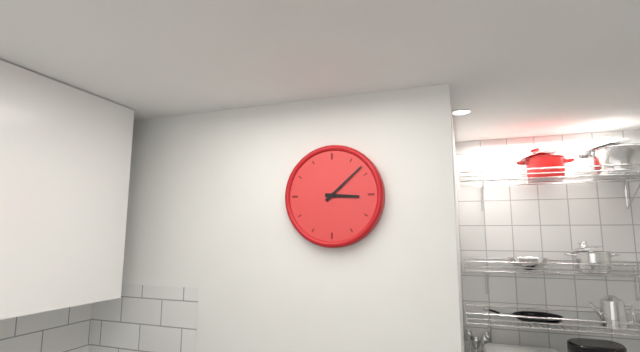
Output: **3:08**
